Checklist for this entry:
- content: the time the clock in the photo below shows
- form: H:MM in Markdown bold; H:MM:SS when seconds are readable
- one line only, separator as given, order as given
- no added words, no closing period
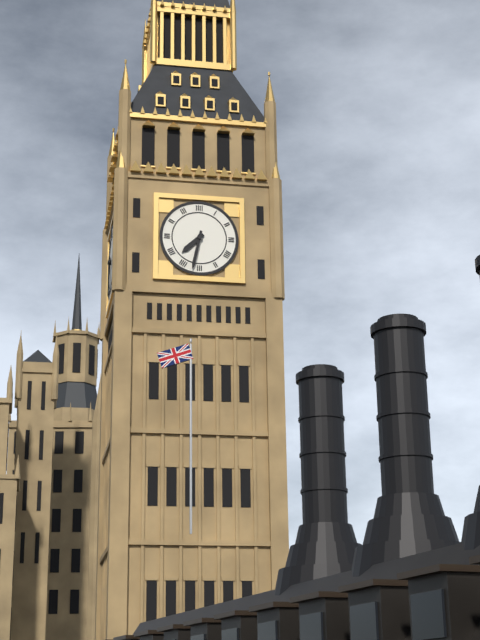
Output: **7:32**
